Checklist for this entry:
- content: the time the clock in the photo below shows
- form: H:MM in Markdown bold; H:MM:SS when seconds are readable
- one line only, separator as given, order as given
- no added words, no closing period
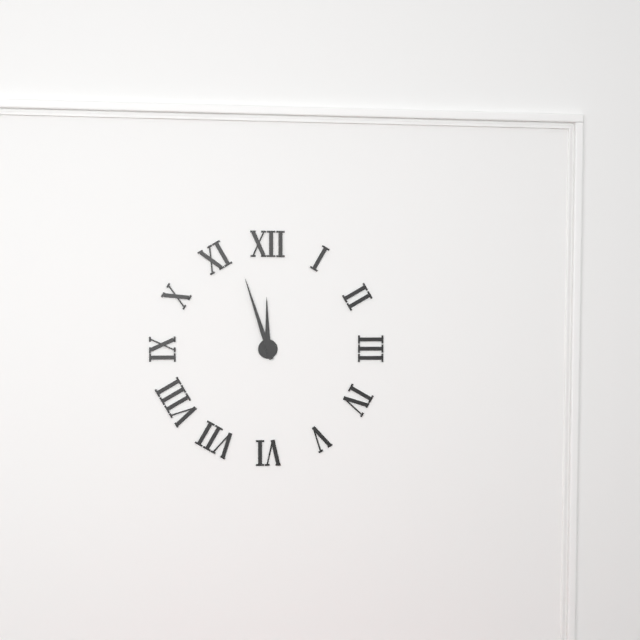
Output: **11:57**
